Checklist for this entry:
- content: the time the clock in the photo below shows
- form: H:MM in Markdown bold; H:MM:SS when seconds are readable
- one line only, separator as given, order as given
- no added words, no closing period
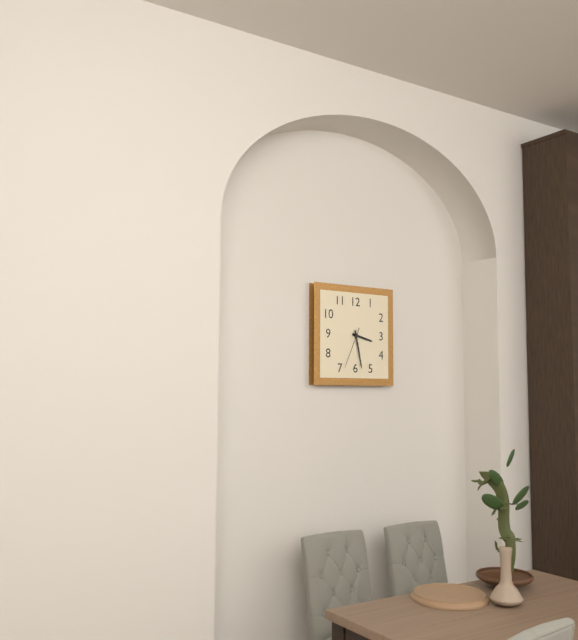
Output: **3:28**
